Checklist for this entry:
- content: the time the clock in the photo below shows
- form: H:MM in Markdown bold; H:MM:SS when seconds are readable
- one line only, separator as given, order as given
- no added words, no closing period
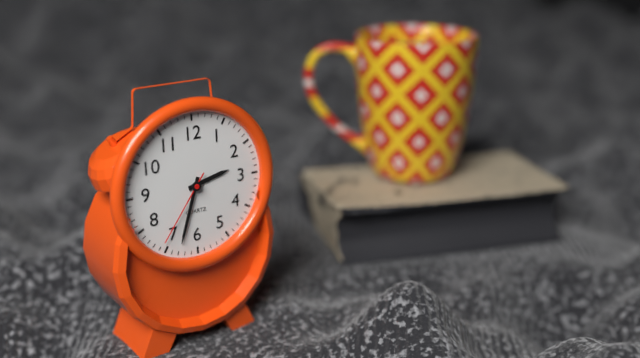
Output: **2:33:36**
